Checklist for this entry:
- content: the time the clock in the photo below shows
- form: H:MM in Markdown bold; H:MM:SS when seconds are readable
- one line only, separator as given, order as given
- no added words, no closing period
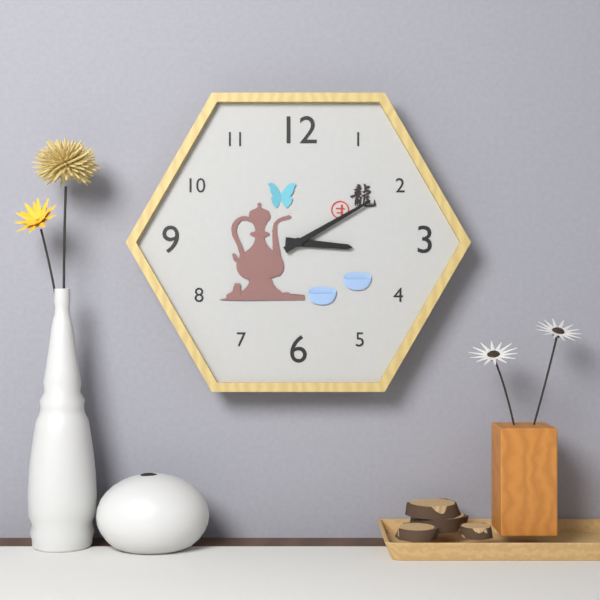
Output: **3:10**
